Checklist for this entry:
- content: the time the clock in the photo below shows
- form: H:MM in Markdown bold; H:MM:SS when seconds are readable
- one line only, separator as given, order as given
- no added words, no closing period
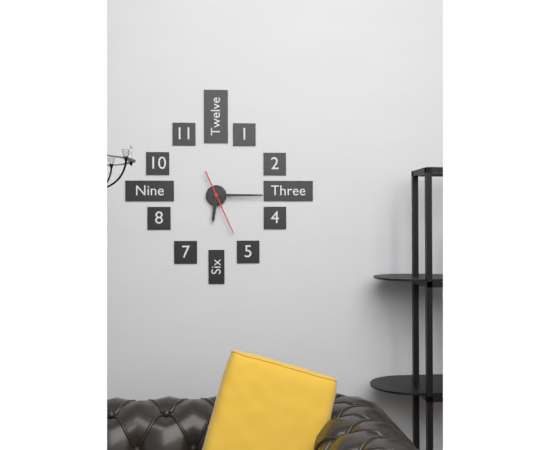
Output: **6:15:26**
